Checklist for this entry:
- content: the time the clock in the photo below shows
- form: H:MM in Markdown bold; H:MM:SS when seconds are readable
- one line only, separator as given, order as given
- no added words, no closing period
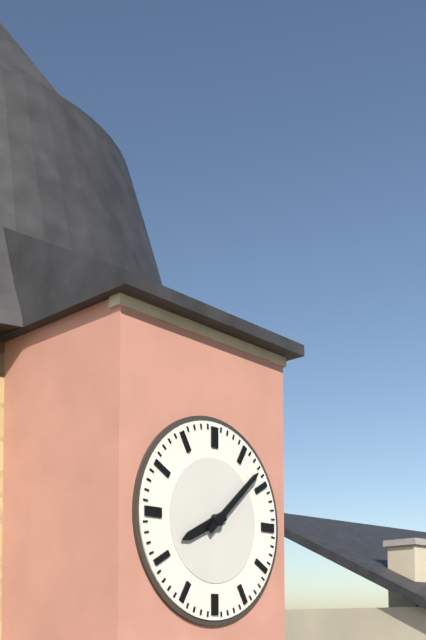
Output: **8:08**
